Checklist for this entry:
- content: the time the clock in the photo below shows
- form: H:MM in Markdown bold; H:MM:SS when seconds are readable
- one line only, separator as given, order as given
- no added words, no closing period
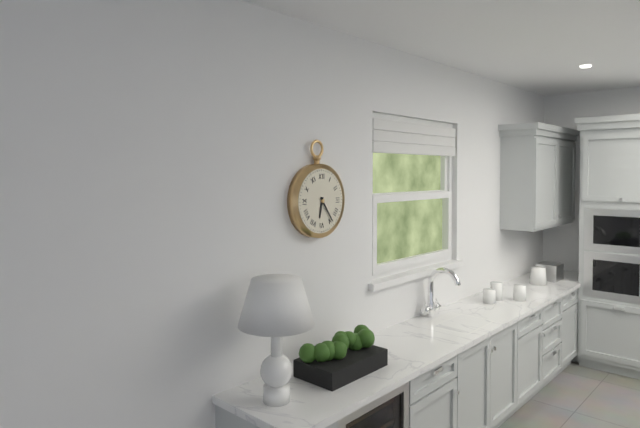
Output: **6:24**
